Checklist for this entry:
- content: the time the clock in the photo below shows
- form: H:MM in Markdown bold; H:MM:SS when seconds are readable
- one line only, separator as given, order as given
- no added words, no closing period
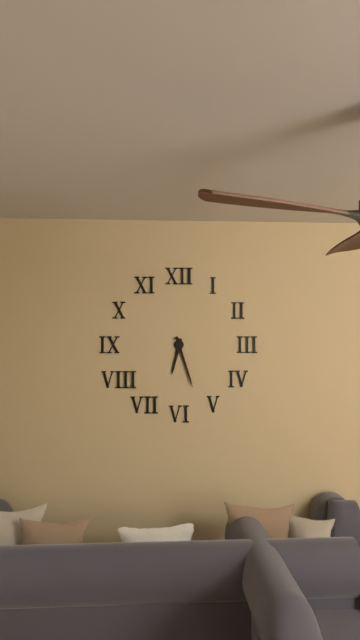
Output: **6:27**
